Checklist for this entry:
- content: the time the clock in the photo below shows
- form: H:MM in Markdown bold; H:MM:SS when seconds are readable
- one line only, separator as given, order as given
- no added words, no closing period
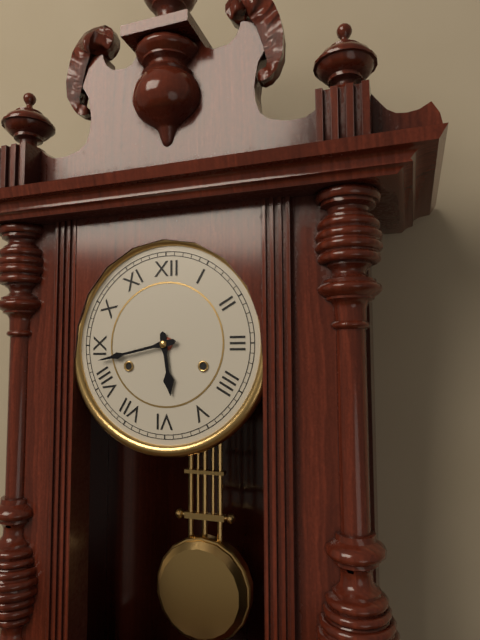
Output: **5:43**
